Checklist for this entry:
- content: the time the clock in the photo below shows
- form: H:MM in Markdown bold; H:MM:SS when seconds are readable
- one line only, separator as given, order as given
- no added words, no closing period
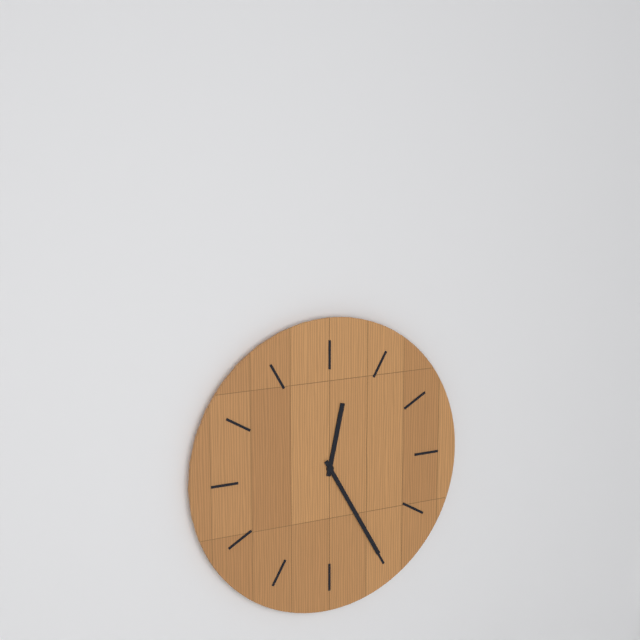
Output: **12:25**
